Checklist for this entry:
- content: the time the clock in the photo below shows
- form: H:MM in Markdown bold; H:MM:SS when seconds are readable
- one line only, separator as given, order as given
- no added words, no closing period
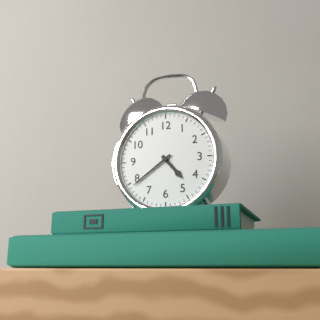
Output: **4:39**
